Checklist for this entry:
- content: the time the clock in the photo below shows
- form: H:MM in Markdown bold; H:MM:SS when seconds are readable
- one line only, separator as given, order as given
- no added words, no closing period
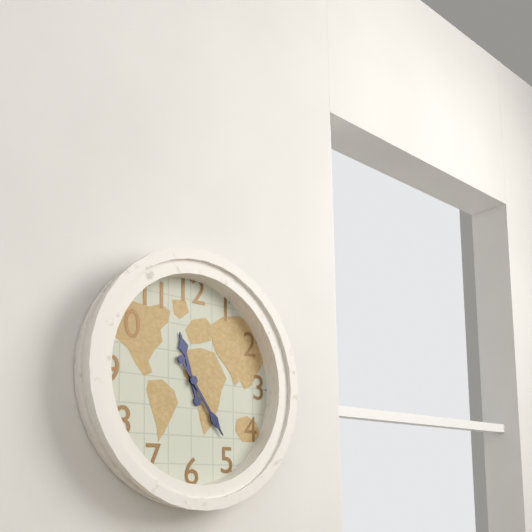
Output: **11:24**
